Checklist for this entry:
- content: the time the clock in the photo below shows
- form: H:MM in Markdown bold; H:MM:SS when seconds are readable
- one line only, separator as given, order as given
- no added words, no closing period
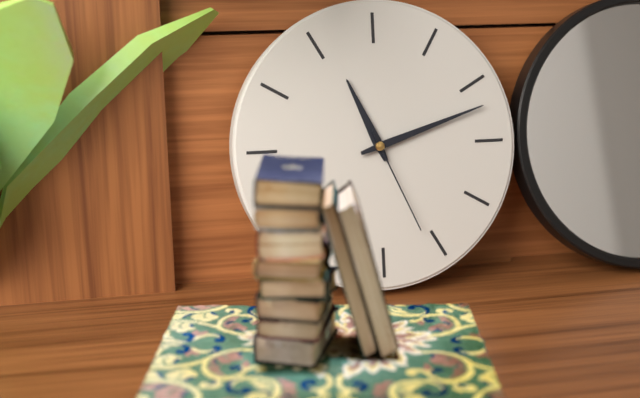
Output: **11:12:26**
